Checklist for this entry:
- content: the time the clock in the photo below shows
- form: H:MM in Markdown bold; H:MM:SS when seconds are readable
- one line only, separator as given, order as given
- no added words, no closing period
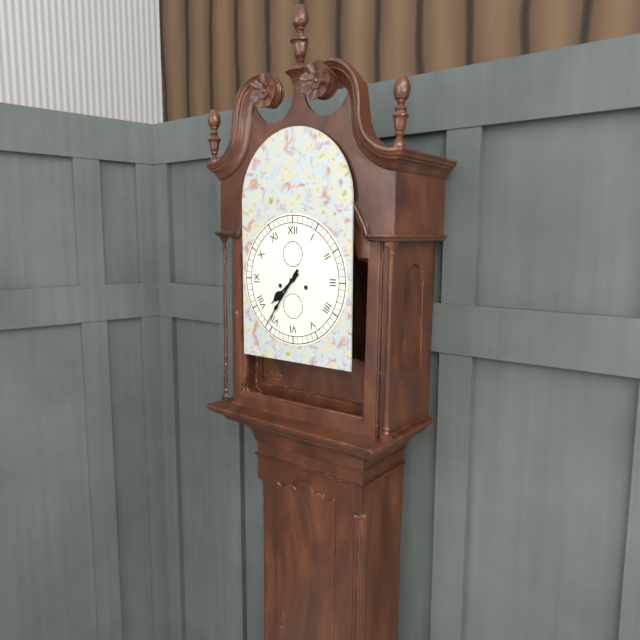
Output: **7:36**
